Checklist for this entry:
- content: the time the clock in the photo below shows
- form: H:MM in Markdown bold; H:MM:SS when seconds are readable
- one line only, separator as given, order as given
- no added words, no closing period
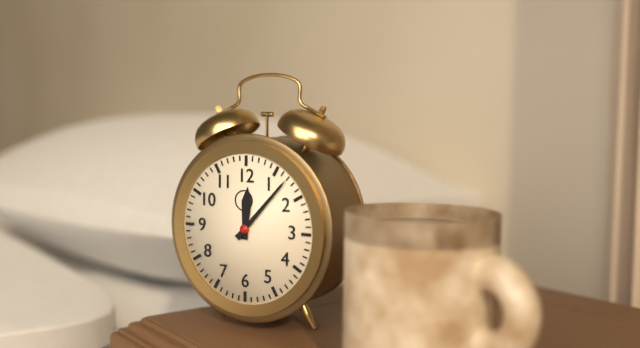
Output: **12:07**
